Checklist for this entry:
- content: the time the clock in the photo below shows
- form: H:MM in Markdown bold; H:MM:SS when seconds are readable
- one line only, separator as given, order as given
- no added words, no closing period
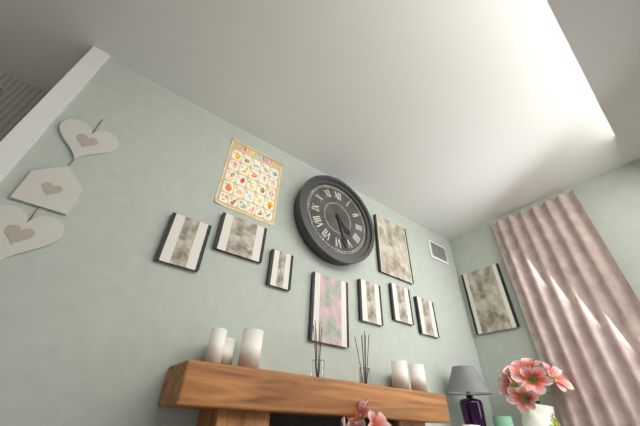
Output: **4:27**
